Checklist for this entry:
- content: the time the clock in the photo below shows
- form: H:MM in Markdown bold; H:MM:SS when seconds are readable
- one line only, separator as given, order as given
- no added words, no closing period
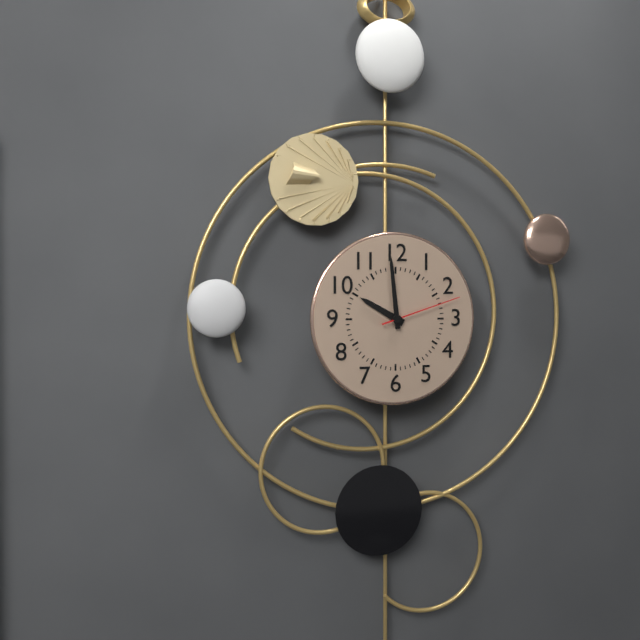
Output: **9:59:12**
